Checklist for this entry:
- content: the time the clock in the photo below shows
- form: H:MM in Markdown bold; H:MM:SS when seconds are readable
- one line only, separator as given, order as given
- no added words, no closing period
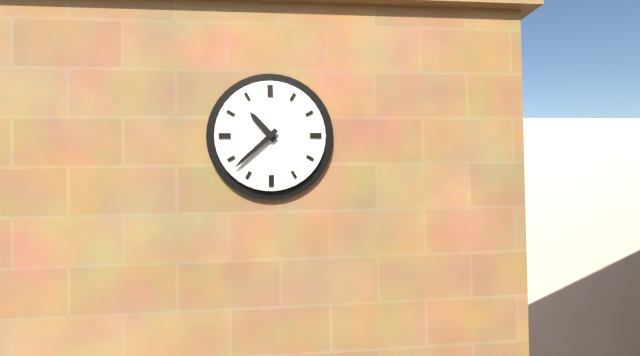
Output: **10:38**
